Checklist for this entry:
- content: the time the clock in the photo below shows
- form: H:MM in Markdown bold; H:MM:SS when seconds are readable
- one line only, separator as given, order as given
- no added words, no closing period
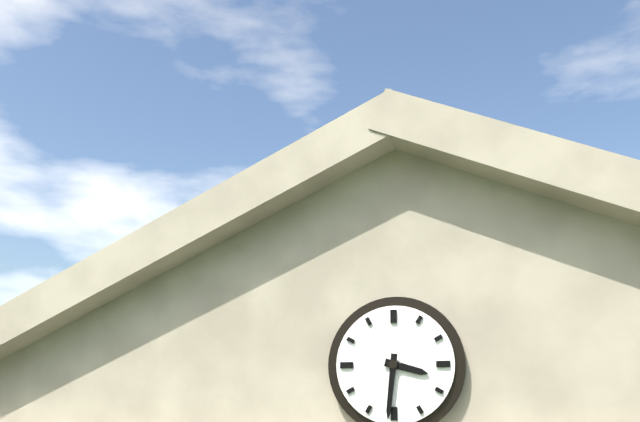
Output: **3:31**
